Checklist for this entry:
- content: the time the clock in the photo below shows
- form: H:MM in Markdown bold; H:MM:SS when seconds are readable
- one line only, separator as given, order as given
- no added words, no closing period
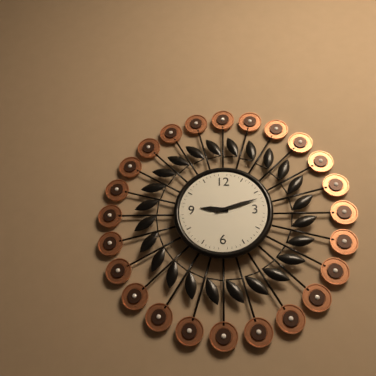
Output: **9:12**
